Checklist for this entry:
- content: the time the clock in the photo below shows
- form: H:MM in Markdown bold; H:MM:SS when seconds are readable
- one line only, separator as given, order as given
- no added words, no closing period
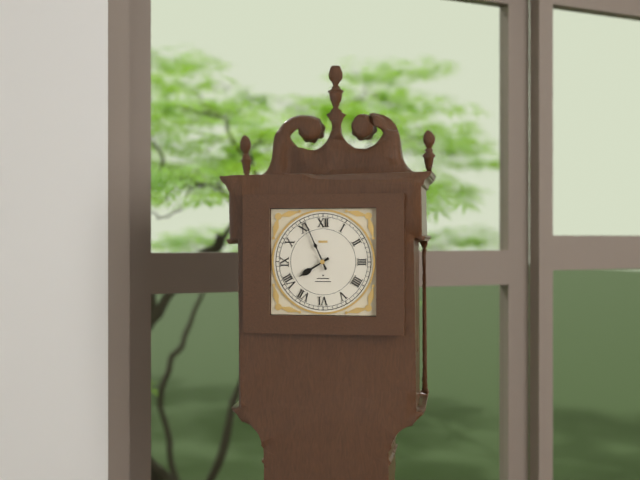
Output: **7:56**
